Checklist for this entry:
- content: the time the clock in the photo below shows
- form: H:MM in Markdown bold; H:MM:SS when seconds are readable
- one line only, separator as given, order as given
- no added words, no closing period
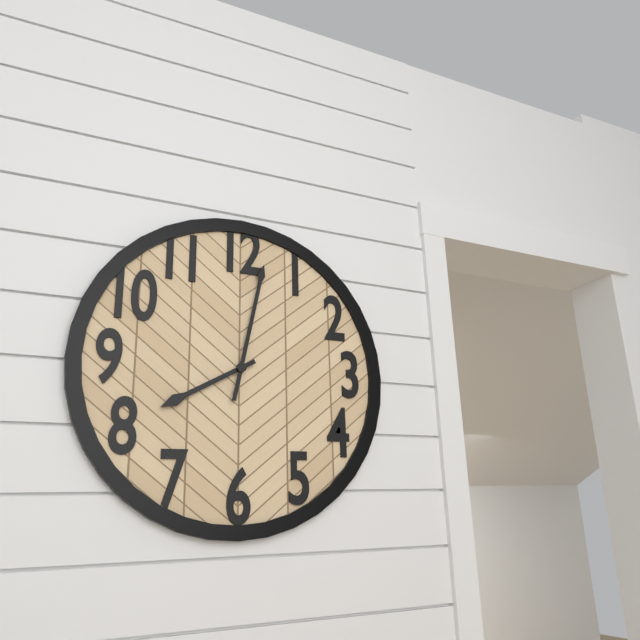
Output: **8:02**
